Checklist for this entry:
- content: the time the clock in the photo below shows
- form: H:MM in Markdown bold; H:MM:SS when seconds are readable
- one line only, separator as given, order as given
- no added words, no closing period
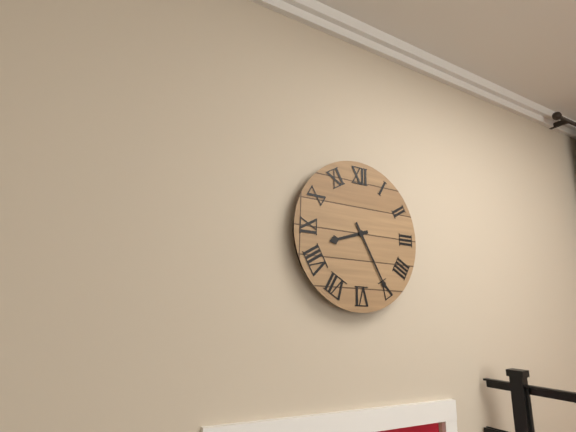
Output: **8:25**
